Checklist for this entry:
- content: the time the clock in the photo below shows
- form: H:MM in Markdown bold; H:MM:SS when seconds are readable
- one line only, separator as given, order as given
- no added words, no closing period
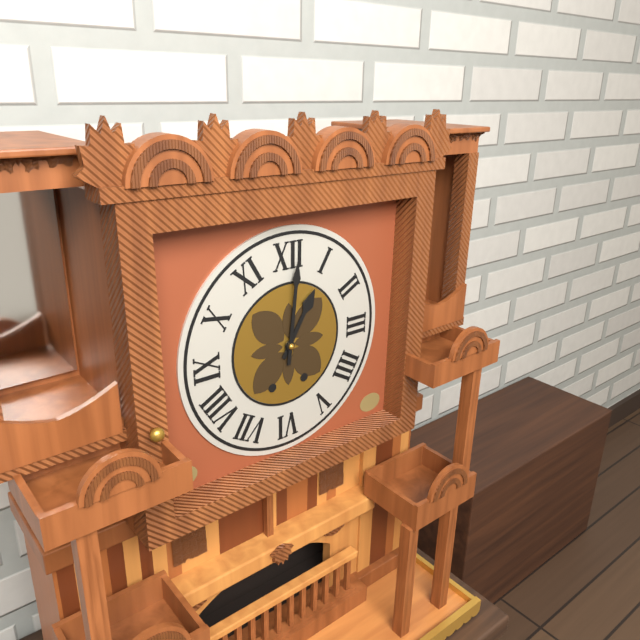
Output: **1:01**
